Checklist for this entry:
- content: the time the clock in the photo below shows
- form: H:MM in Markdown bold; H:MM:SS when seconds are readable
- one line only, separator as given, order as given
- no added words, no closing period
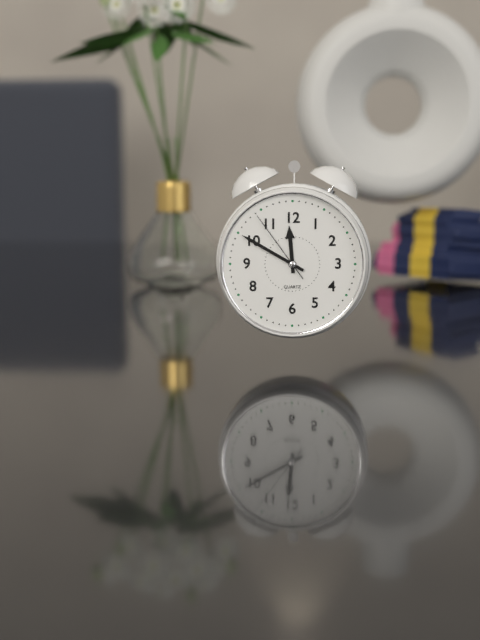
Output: **11:50:54**
